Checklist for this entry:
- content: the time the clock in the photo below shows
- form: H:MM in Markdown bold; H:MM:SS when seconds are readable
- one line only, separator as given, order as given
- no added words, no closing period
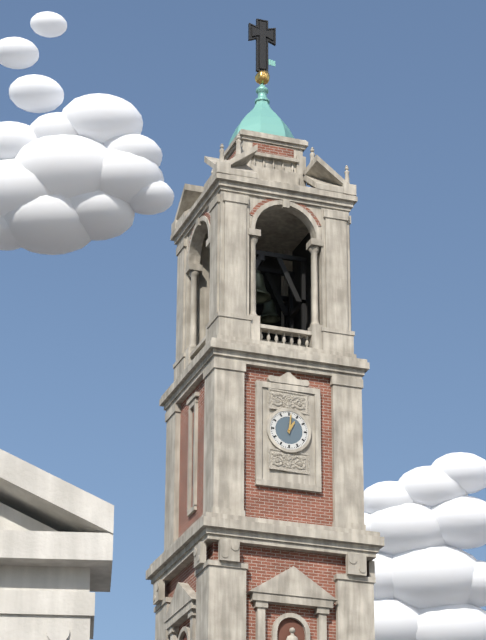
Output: **1:01**
